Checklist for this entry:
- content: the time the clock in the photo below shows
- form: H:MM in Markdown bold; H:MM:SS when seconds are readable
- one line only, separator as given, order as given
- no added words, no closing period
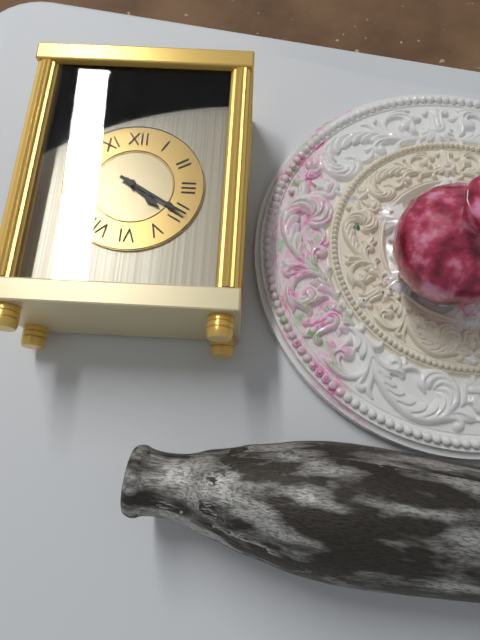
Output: **4:20**
